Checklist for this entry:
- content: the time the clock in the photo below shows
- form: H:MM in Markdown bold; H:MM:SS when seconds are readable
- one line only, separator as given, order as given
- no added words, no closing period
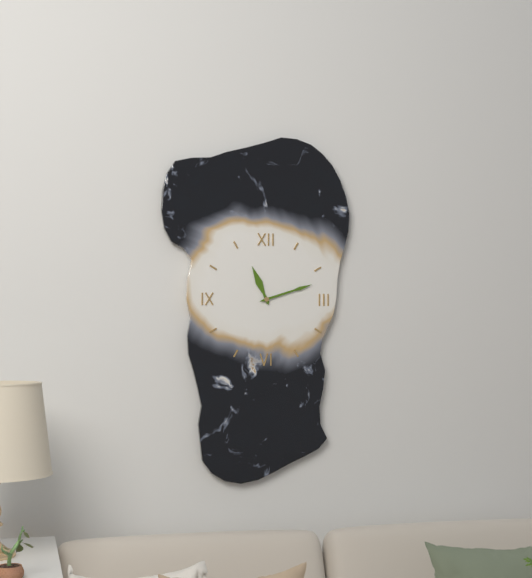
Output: **11:12**
